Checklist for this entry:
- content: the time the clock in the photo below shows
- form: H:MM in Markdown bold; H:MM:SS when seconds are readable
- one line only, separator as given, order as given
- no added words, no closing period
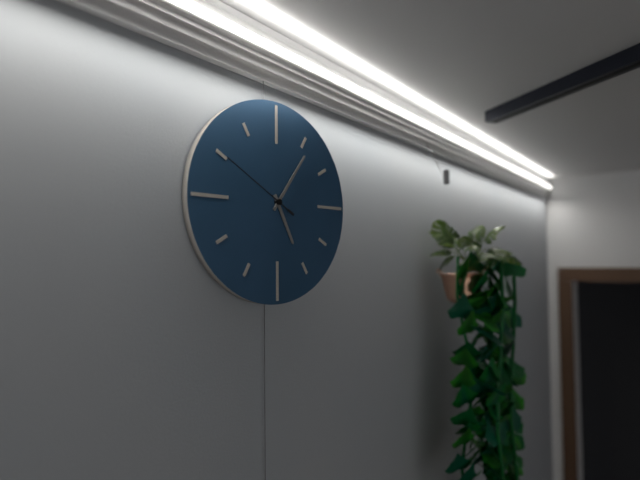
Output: **5:06:50**
